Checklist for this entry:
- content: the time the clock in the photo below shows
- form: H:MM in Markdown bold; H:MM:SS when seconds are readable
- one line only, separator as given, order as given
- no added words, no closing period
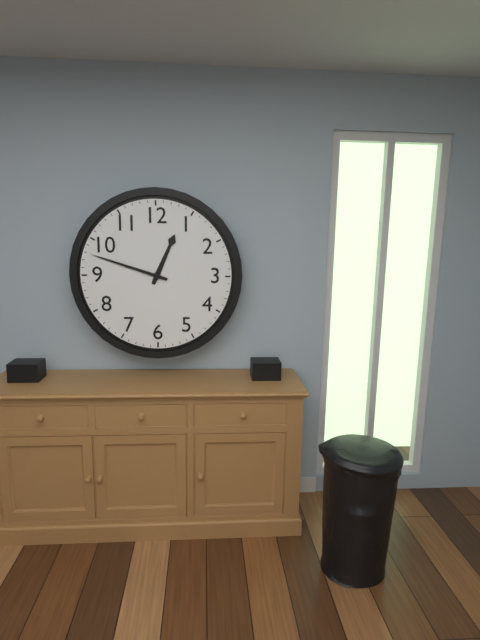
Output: **12:48**
